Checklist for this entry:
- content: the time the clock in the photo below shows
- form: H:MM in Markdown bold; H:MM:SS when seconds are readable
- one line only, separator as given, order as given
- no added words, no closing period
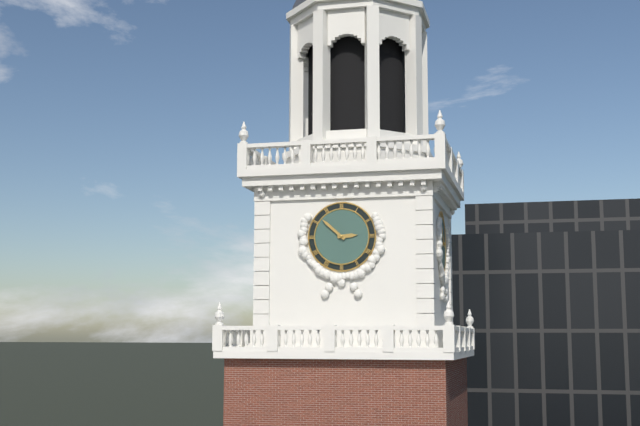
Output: **2:52**
